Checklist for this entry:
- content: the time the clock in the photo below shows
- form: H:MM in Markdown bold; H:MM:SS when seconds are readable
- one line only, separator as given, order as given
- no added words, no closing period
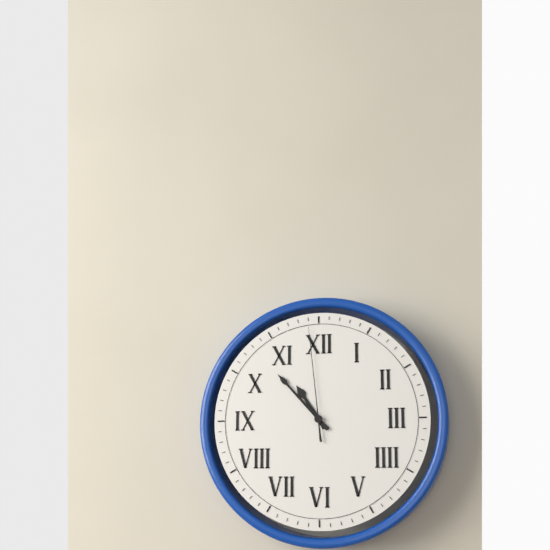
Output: **10:53:59**
